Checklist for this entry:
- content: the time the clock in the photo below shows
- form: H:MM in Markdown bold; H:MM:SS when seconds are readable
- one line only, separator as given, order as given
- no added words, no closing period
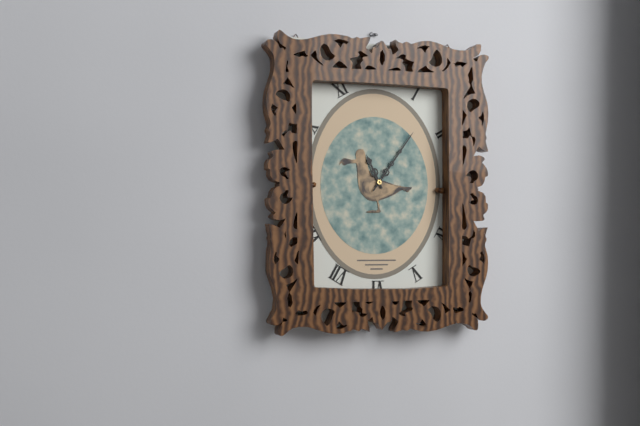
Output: **11:06**
